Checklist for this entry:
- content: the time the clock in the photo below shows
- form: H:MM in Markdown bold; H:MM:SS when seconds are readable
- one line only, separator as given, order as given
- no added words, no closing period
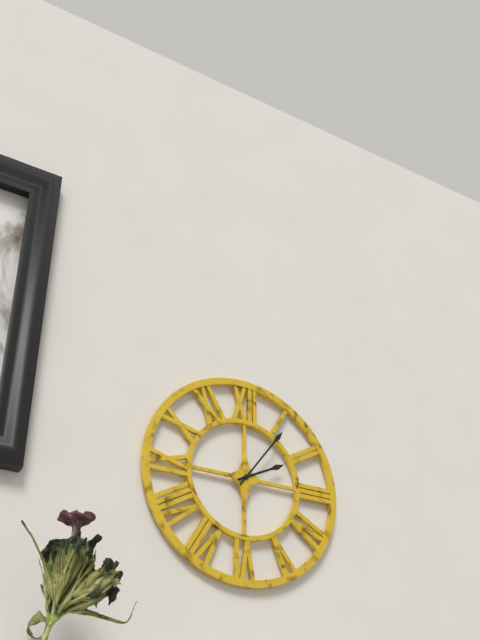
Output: **2:06**
